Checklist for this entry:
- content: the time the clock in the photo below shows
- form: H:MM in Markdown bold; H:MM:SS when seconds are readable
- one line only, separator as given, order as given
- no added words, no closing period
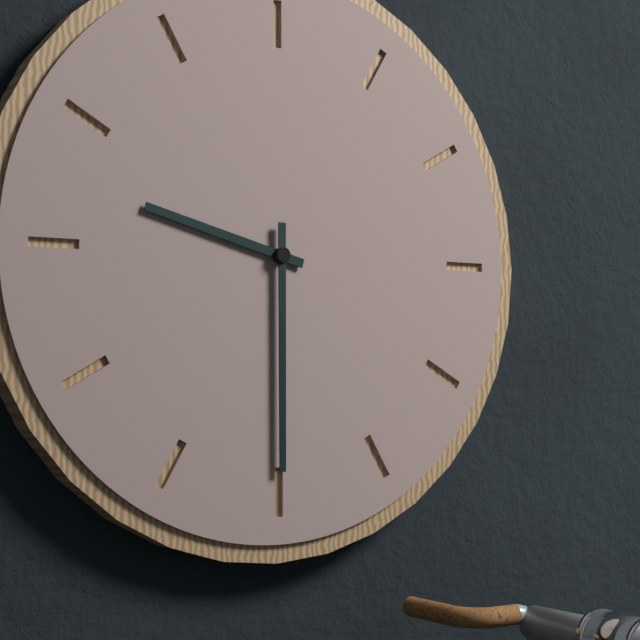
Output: **9:30**
